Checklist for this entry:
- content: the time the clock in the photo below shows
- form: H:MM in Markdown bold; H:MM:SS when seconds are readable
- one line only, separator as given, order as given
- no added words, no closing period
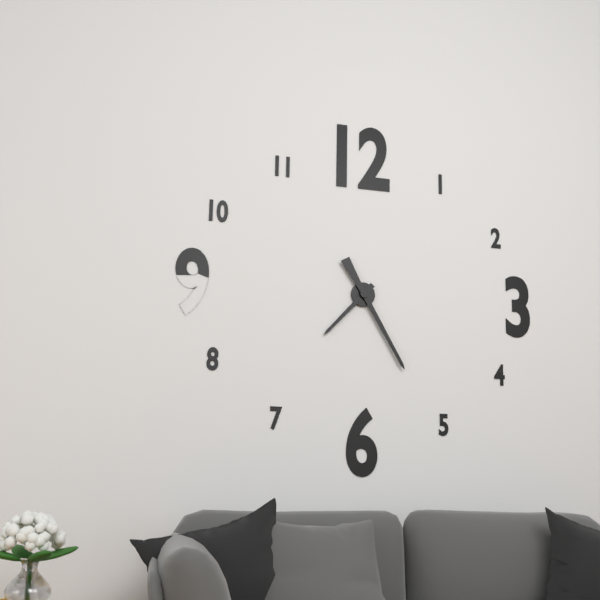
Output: **7:25**
